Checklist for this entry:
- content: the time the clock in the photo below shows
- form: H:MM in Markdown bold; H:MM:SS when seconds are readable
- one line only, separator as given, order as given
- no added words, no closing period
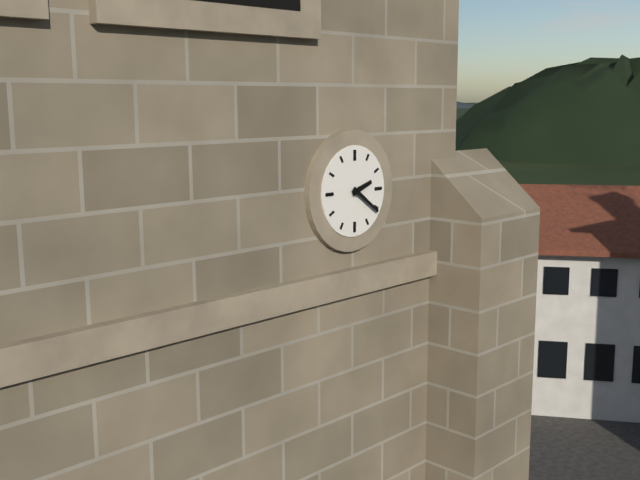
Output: **2:21**
